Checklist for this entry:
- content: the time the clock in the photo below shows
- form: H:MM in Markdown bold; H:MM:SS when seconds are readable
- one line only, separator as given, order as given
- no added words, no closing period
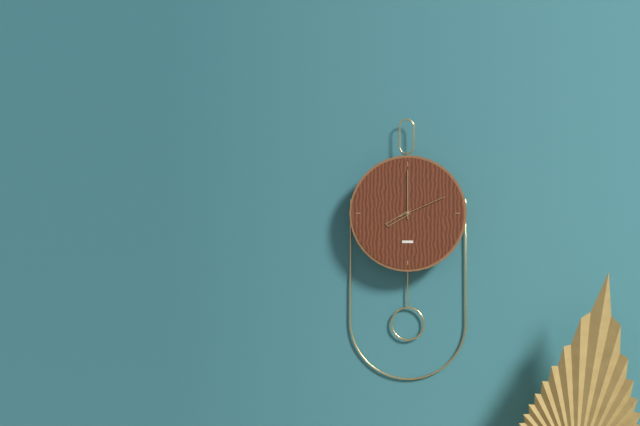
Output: **8:00:11**
